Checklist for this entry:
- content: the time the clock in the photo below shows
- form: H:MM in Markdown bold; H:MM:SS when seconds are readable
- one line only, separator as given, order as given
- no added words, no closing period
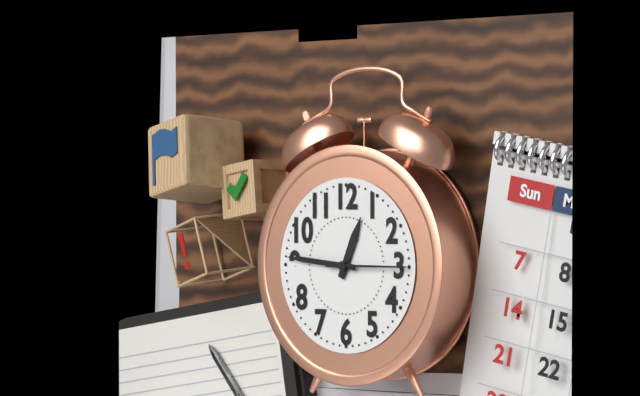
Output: **12:46:15**
